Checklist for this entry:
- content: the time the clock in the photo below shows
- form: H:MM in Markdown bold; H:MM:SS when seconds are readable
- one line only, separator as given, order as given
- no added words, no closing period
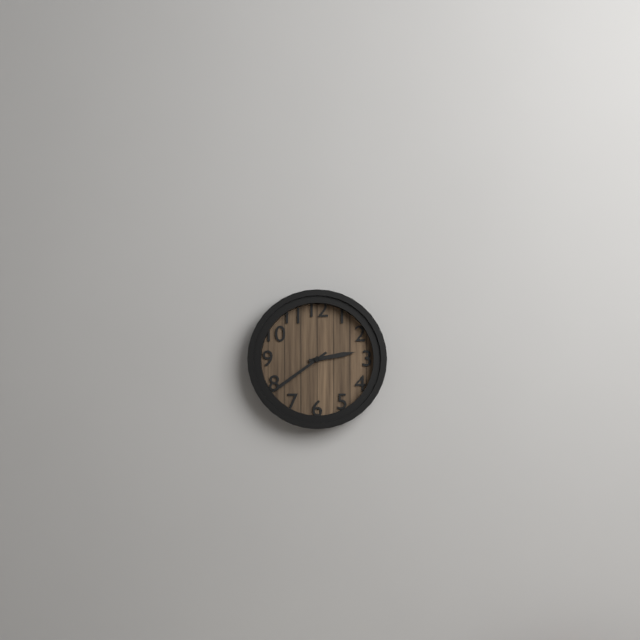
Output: **2:39**
